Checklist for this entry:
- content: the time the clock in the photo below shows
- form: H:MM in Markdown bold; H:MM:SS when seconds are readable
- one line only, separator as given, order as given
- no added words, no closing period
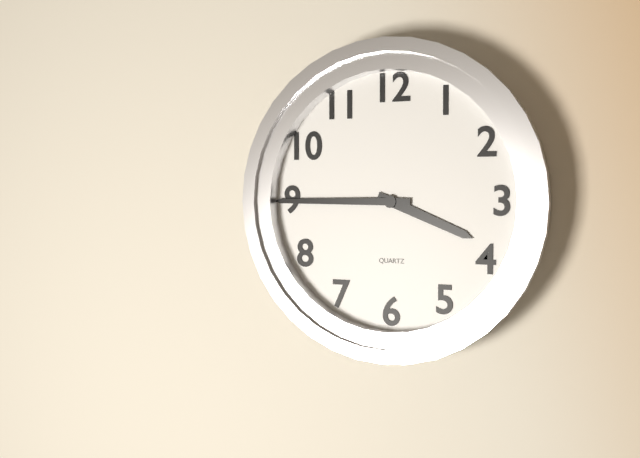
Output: **3:45**
